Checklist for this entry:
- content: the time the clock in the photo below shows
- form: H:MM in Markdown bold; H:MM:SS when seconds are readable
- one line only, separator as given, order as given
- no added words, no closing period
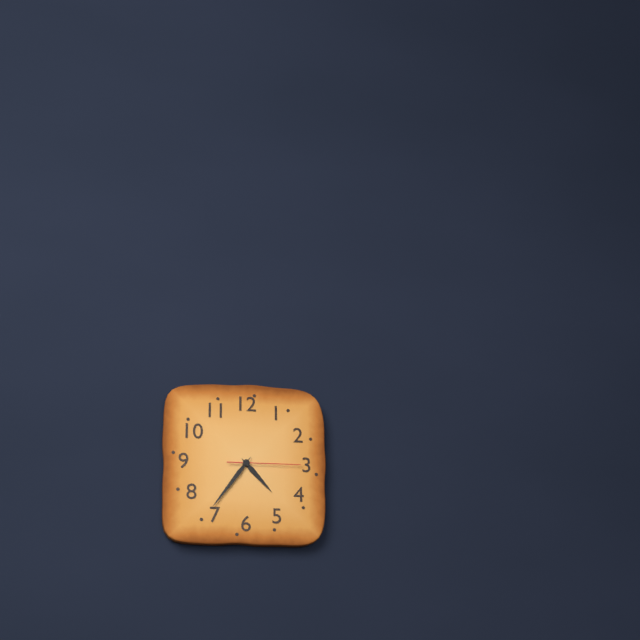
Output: **4:36:15**
